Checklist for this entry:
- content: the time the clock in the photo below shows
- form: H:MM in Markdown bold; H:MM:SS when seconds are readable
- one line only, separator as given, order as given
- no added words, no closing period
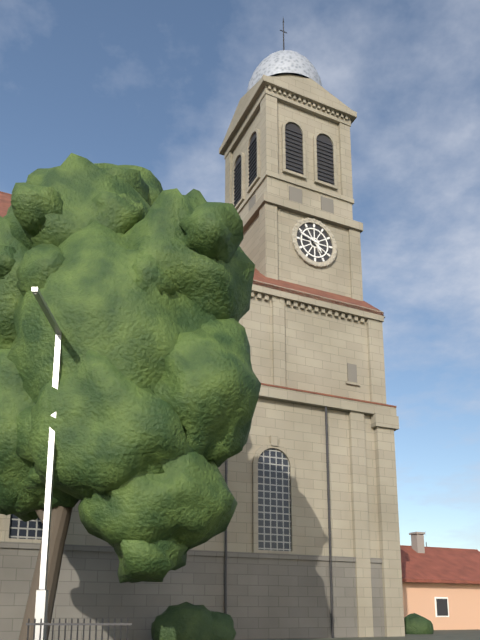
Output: **4:48**
